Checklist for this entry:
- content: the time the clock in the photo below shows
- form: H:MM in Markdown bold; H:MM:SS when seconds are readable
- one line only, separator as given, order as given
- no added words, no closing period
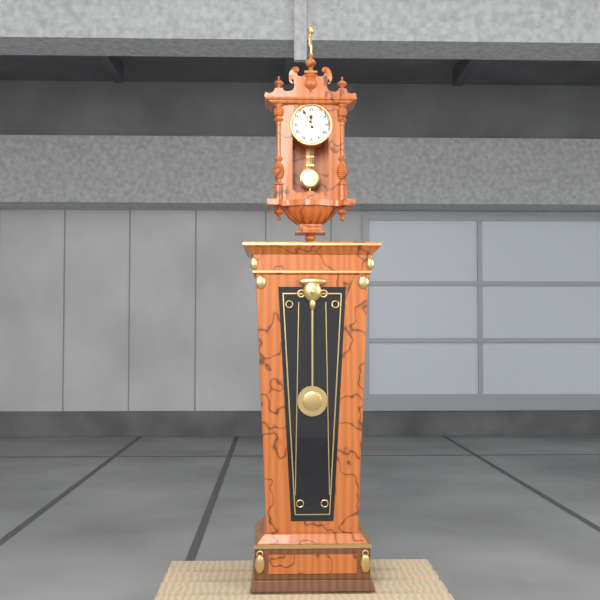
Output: **11:55**
